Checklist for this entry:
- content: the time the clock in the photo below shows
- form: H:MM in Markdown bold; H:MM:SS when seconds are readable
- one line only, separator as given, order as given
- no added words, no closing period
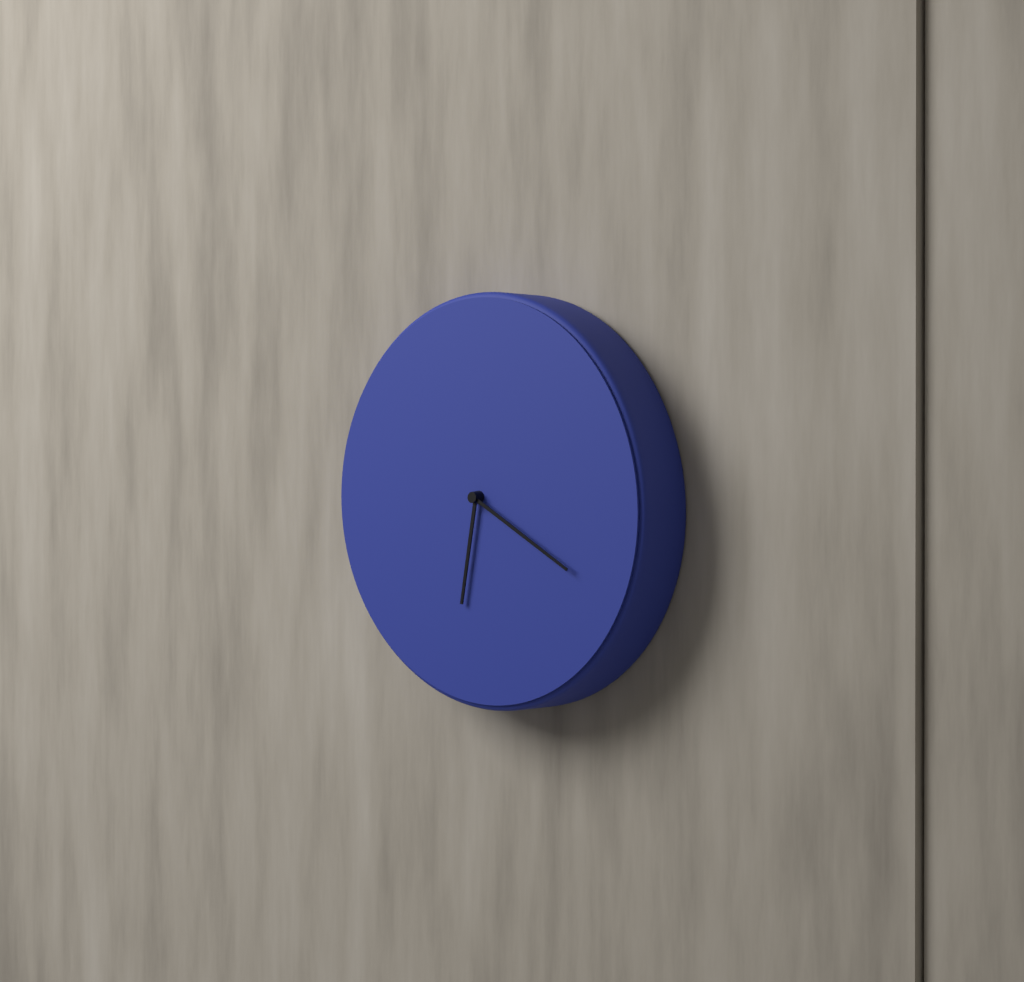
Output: **6:20**
